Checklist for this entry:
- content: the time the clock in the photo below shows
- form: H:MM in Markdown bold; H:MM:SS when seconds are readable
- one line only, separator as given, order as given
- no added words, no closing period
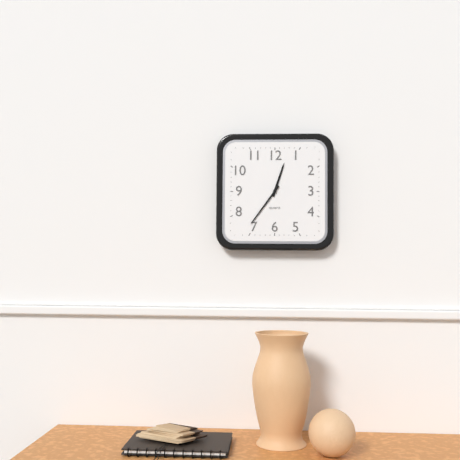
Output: **12:36**
